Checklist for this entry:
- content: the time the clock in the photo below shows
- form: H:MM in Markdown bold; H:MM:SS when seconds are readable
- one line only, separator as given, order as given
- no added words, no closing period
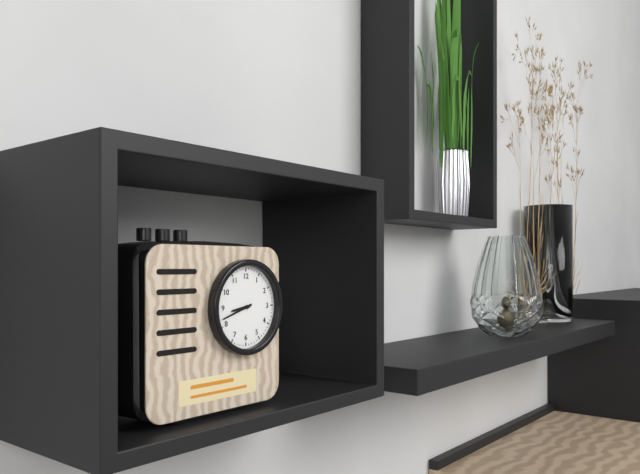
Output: **8:42**
